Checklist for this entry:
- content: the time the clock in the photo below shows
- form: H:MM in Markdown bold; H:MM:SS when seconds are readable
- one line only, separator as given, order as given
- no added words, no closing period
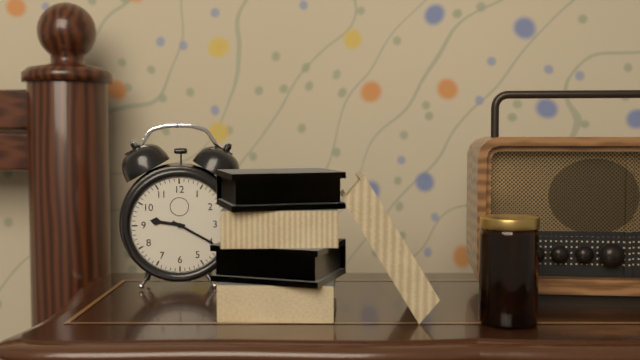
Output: **9:20**
